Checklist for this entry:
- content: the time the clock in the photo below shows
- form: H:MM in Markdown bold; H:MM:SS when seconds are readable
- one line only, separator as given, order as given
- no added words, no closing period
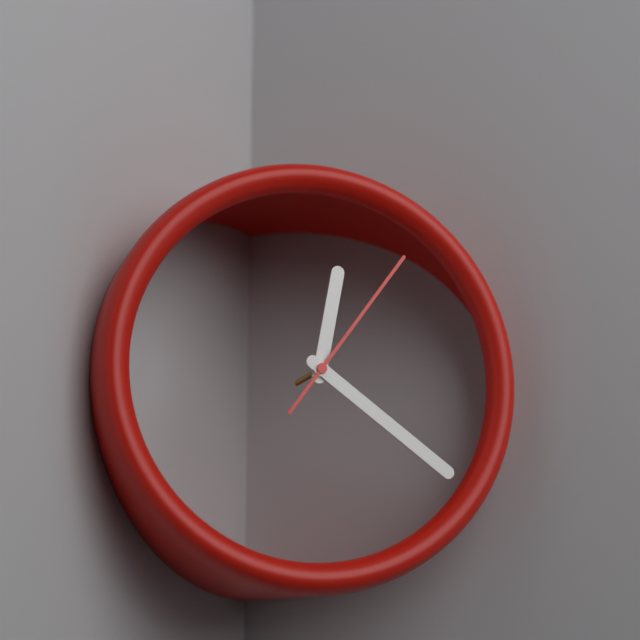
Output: **12:21:06**
